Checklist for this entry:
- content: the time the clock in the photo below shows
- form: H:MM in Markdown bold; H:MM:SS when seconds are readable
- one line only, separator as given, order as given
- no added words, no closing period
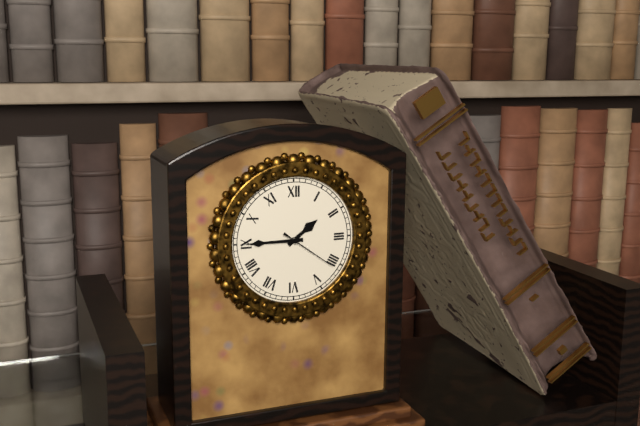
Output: **1:45:21**
